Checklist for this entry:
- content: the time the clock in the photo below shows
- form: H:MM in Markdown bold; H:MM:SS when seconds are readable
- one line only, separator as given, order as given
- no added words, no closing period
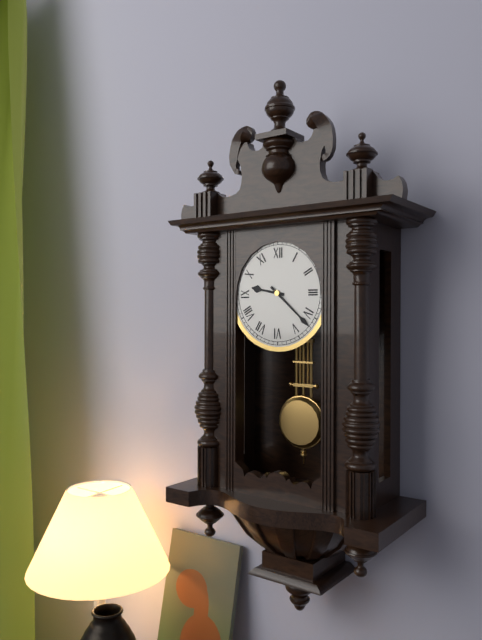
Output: **9:22**
